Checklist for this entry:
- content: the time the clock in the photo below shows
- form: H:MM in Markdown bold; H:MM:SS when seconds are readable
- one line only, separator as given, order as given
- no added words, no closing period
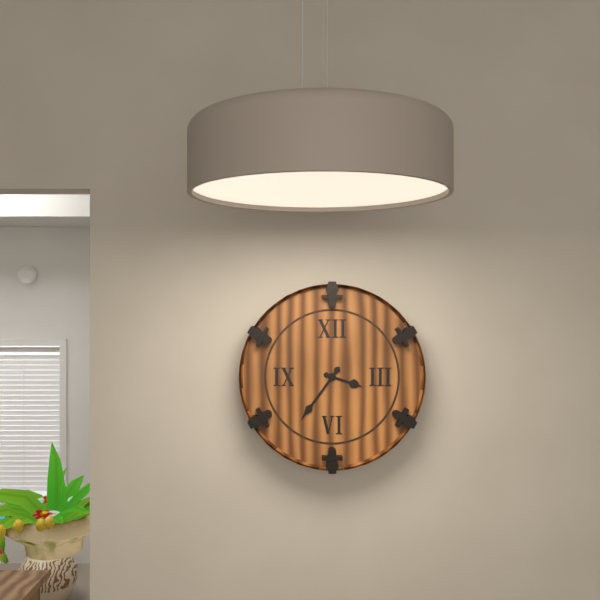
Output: **3:36**
